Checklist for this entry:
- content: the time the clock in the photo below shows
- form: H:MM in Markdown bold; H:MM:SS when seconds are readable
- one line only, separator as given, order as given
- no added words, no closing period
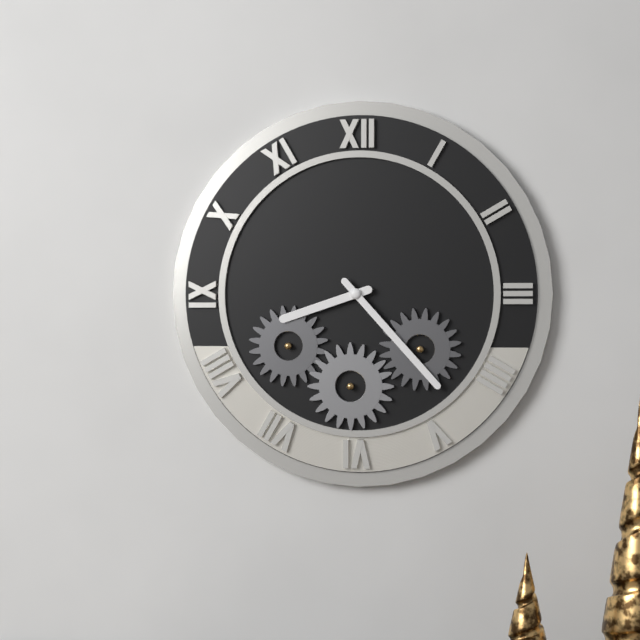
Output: **8:23**
